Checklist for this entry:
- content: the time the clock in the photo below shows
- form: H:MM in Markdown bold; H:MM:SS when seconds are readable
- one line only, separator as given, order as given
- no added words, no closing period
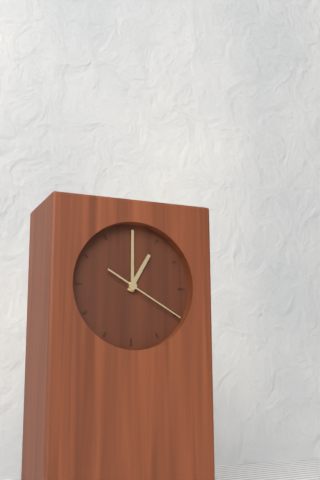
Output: **1:00:20**
